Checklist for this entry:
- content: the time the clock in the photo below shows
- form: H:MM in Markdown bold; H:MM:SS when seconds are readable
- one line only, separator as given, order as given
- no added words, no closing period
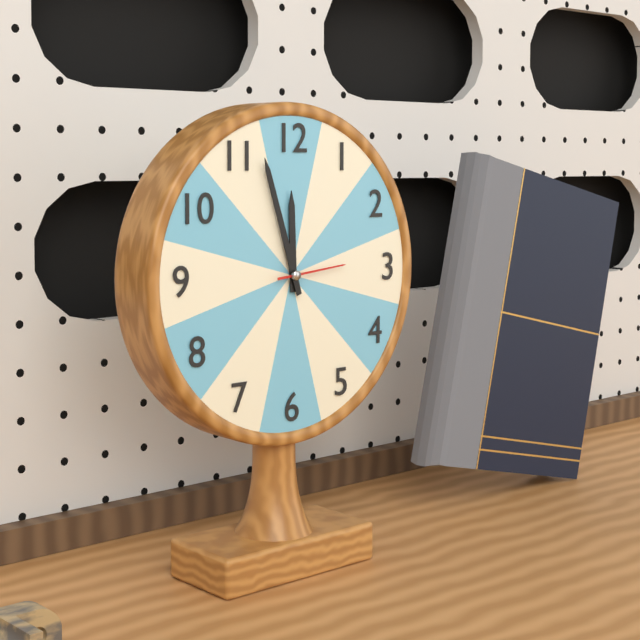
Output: **11:57:14**
